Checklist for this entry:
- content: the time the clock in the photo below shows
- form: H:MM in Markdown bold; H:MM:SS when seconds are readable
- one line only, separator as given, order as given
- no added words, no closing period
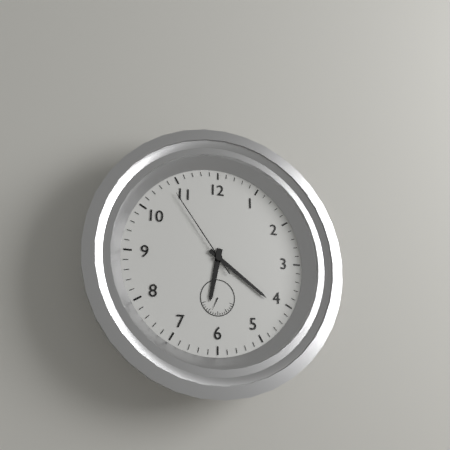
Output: **6:21:54**
